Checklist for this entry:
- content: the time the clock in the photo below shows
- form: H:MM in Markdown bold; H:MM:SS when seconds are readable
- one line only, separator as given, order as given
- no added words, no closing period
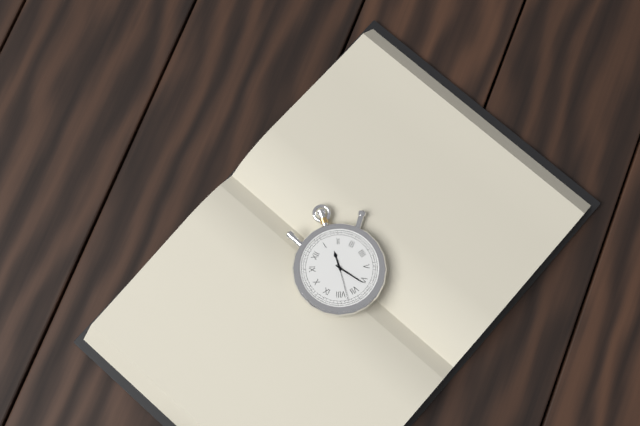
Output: **1:31**
